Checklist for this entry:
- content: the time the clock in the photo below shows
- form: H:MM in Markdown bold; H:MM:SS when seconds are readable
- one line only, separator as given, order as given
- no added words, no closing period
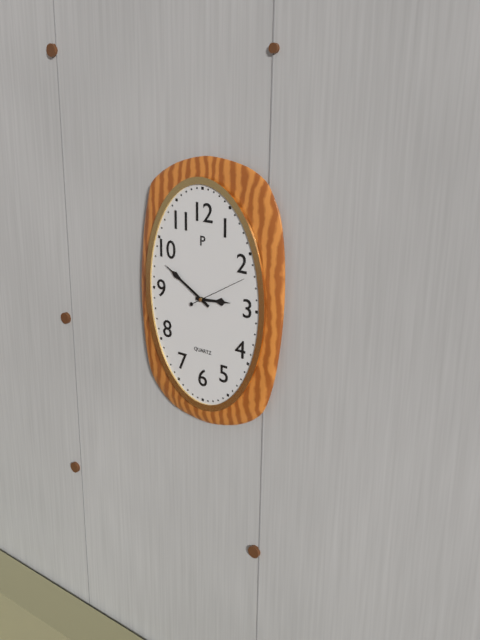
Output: **2:50:10**
